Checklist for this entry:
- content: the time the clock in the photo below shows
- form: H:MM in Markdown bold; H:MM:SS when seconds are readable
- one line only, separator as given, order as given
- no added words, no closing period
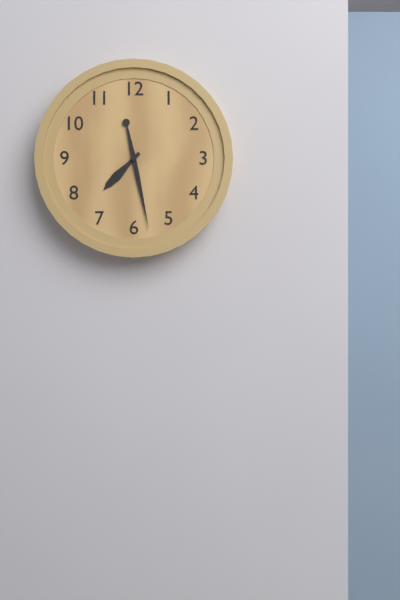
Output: **7:28**
